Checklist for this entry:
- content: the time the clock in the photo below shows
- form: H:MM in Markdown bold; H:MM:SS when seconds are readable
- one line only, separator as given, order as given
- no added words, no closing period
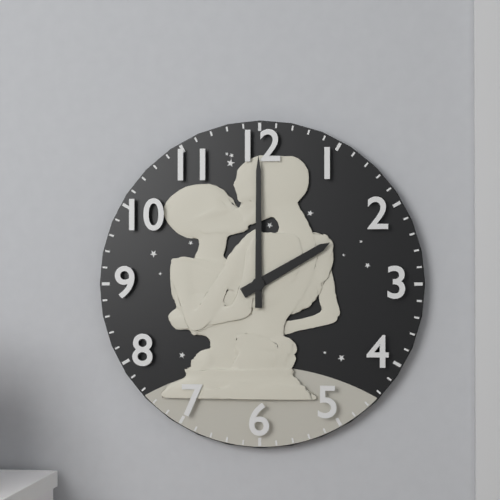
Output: **2:00**
